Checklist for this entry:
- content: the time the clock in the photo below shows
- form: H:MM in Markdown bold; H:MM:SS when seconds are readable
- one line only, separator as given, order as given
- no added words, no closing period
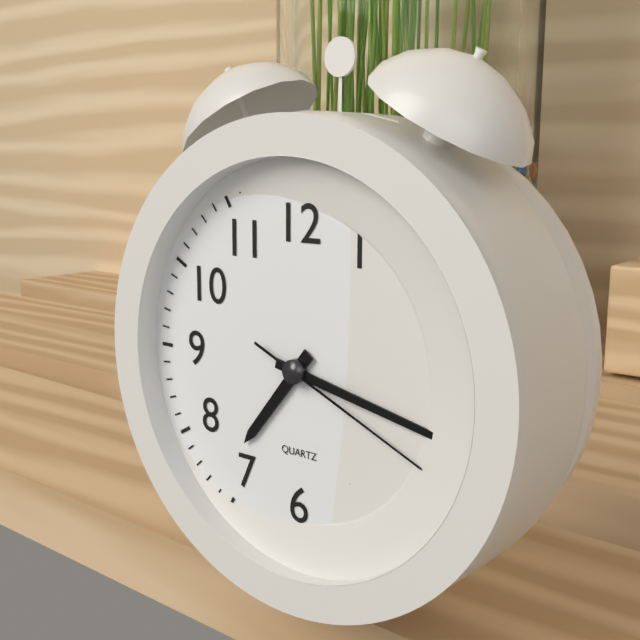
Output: **7:17:19**
